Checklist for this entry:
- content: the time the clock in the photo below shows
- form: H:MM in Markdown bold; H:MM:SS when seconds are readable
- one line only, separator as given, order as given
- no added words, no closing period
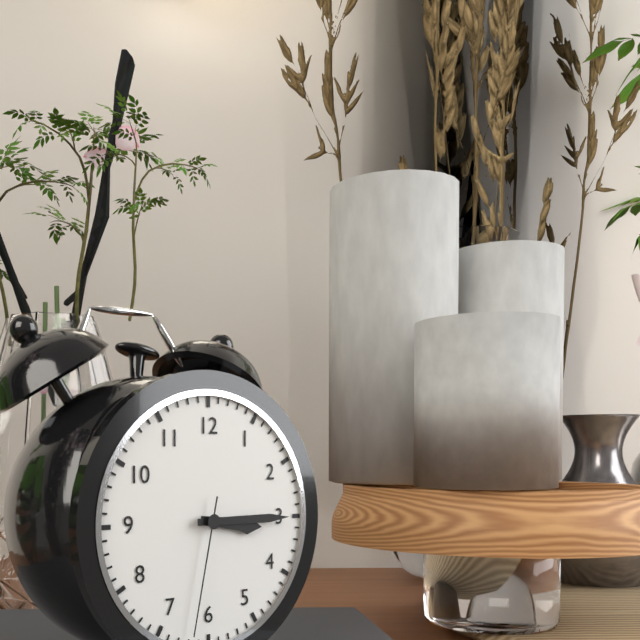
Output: **3:15:32**
